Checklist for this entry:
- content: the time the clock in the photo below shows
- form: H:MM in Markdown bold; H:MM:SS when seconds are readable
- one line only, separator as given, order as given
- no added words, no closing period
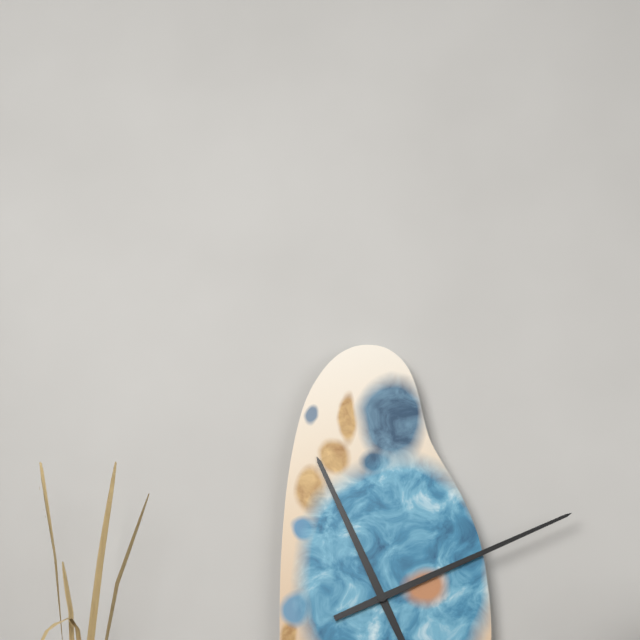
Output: **11:11**
